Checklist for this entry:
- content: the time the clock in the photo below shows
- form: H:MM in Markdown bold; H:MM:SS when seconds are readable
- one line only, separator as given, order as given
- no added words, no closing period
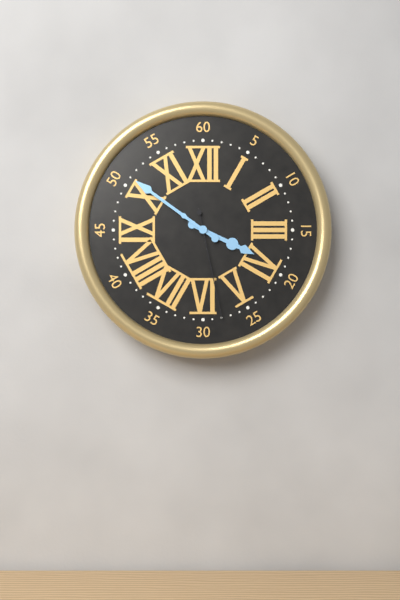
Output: **3:51:28**
